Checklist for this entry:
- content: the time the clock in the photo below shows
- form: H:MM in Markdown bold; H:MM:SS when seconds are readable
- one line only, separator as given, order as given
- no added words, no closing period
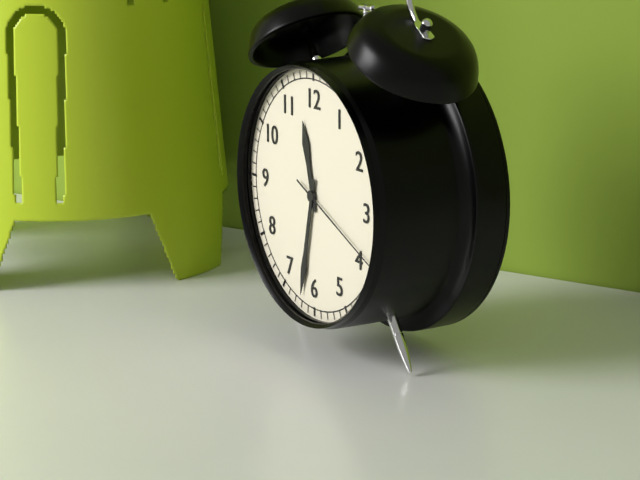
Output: **11:32:19**
